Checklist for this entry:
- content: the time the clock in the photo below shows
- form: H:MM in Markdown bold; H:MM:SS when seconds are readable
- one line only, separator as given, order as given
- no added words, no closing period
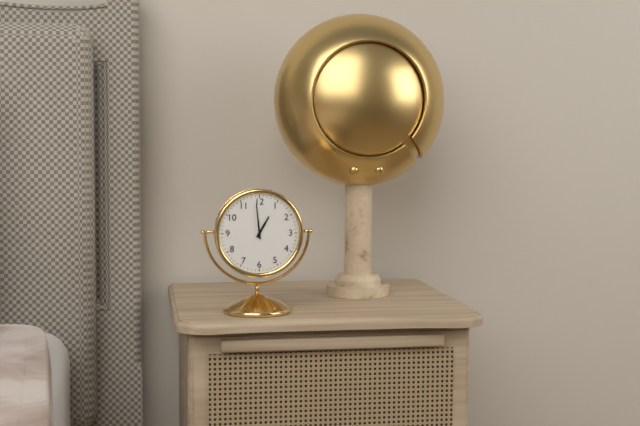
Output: **12:59**
